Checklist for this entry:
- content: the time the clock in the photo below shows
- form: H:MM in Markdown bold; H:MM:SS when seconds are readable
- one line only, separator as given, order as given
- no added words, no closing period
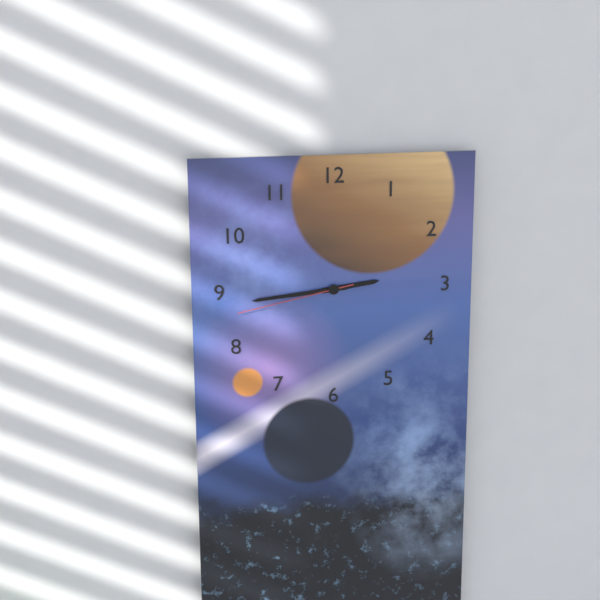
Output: **2:44:43**
